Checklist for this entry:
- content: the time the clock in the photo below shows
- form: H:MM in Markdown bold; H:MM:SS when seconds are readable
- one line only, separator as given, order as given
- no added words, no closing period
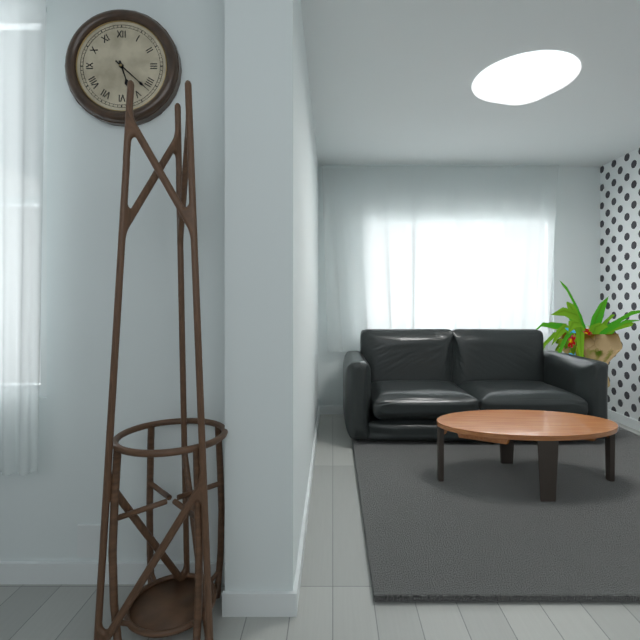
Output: **5:22**
